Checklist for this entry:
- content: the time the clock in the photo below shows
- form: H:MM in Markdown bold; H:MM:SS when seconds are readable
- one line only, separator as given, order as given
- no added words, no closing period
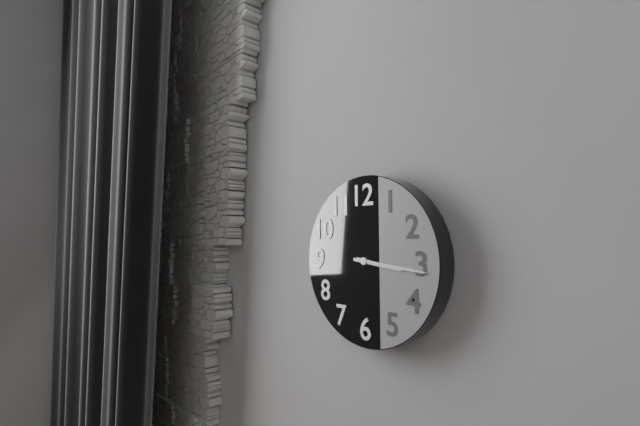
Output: **3:16**
